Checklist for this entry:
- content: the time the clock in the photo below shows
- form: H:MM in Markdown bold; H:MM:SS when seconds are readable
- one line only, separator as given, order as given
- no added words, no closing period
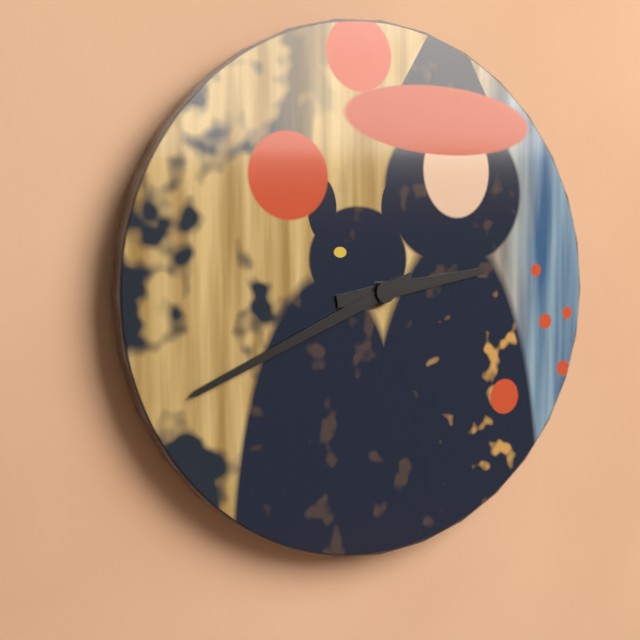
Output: **2:41**
